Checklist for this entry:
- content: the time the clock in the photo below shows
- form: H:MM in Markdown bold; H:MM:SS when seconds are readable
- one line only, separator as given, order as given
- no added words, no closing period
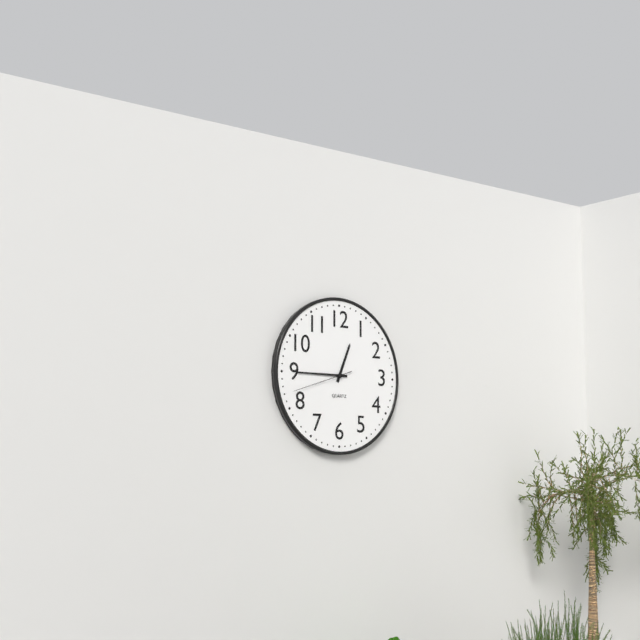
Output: **12:45:42**
